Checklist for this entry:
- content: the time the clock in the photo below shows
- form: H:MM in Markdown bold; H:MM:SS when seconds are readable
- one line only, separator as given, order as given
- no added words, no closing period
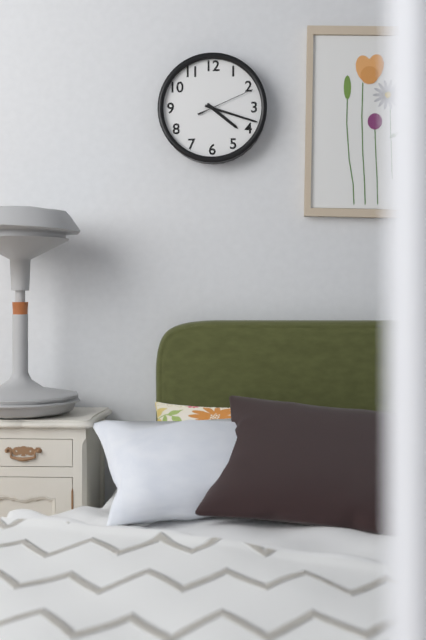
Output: **4:18:11**
